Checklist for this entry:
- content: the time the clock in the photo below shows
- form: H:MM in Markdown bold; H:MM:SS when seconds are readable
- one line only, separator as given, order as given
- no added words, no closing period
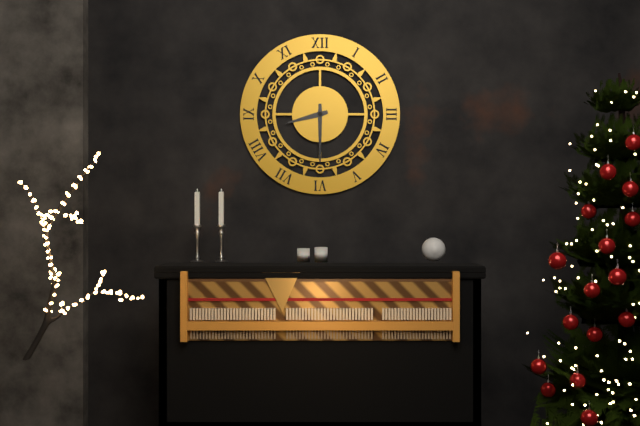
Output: **8:30**
